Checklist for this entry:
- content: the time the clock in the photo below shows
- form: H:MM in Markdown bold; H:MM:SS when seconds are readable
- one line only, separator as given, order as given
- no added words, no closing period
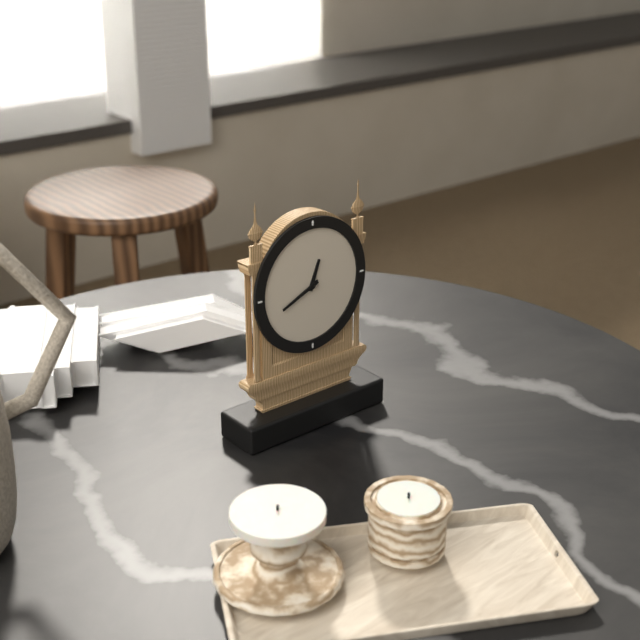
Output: **12:41**
